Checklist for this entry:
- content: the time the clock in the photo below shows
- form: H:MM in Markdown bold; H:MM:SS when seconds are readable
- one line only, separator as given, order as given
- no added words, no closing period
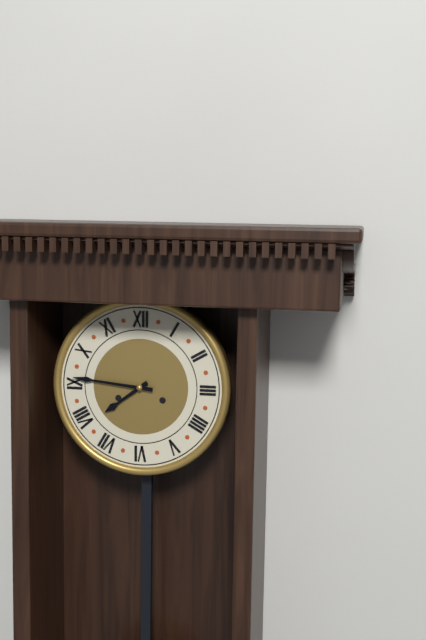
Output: **7:46**
